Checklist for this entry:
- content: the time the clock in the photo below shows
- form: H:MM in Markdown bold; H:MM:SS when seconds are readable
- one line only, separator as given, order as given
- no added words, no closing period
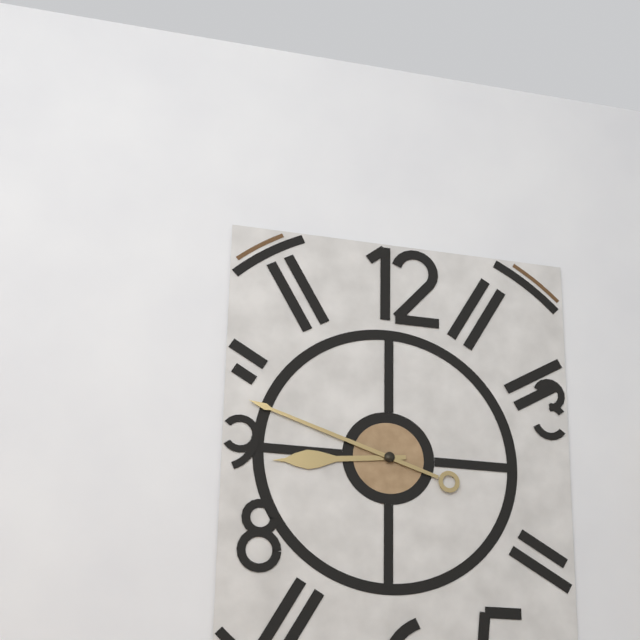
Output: **8:48**
